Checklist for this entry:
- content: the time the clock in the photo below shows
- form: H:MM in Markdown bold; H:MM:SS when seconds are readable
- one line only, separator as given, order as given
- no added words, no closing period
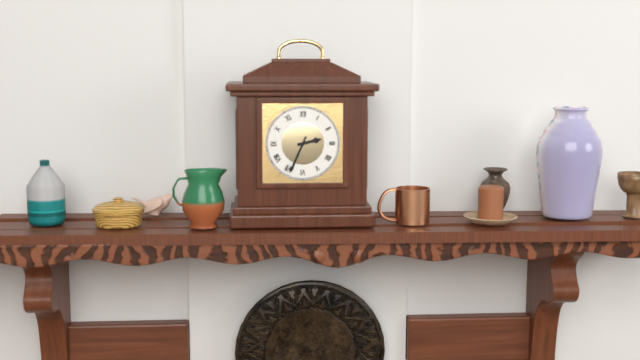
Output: **2:34**
